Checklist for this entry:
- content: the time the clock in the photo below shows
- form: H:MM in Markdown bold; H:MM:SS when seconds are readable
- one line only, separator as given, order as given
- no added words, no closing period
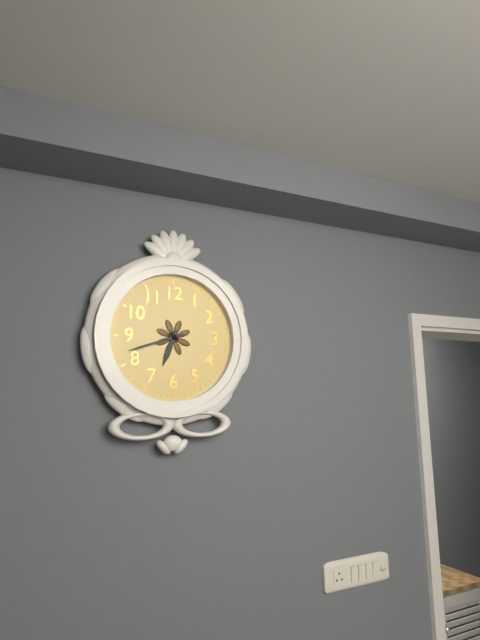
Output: **6:42**
